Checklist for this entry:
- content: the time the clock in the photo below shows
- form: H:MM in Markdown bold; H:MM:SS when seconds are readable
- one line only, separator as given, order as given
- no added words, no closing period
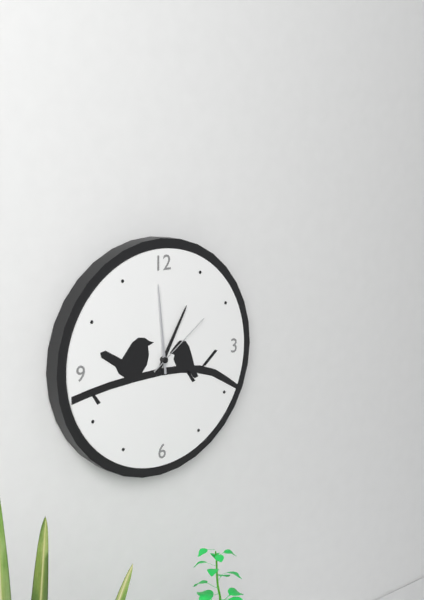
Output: **12:59:09**
